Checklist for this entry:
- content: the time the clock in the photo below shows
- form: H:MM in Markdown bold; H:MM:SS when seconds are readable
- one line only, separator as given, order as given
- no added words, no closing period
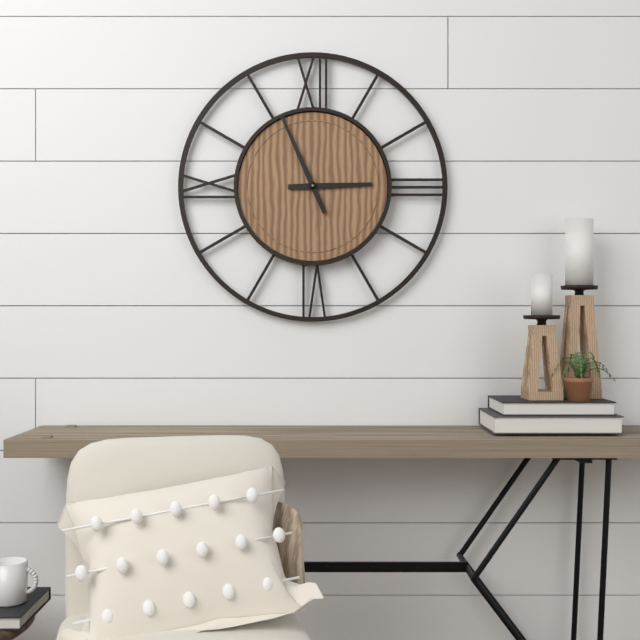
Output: **2:56**
